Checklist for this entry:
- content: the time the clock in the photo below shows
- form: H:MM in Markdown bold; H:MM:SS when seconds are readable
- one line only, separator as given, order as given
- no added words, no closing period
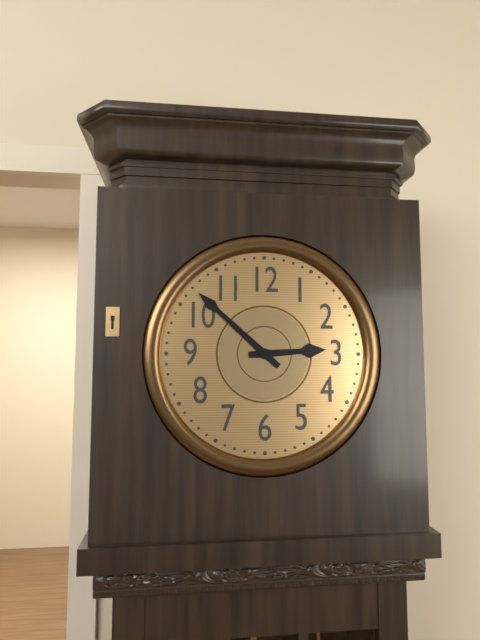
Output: **2:52**
